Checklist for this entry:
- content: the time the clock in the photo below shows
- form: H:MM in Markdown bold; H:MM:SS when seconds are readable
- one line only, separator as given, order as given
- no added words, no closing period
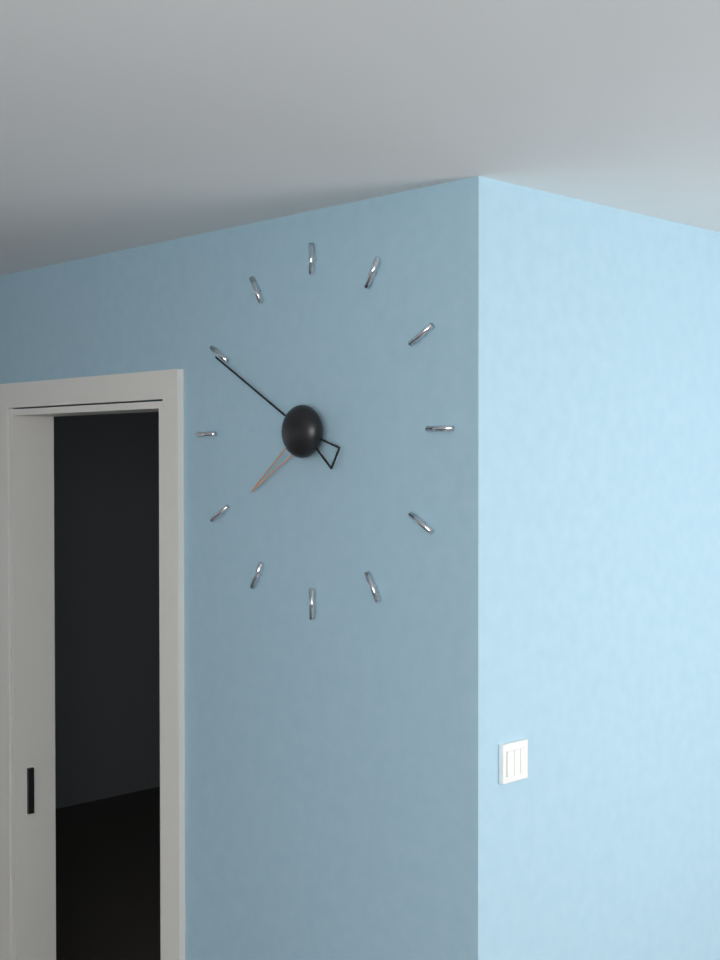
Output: **7:50**
